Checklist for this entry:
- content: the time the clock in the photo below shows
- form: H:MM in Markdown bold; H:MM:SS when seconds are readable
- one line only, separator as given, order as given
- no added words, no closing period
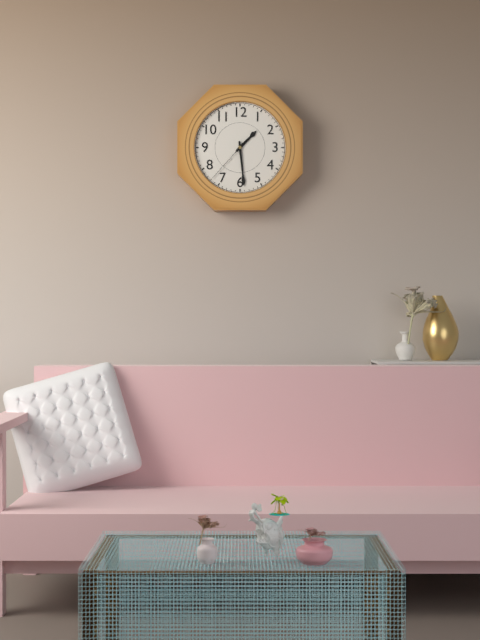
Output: **1:29:37**
